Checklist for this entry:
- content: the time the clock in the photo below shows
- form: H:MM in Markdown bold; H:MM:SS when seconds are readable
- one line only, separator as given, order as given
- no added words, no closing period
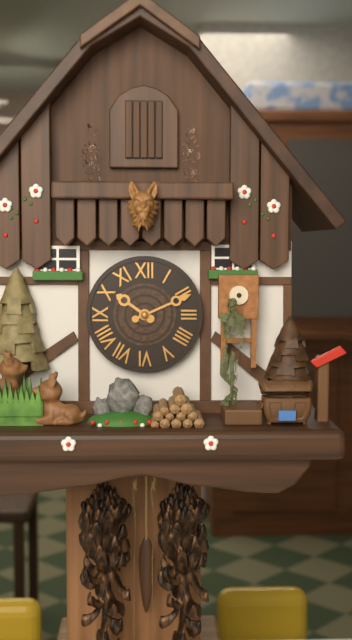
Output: **10:11**
